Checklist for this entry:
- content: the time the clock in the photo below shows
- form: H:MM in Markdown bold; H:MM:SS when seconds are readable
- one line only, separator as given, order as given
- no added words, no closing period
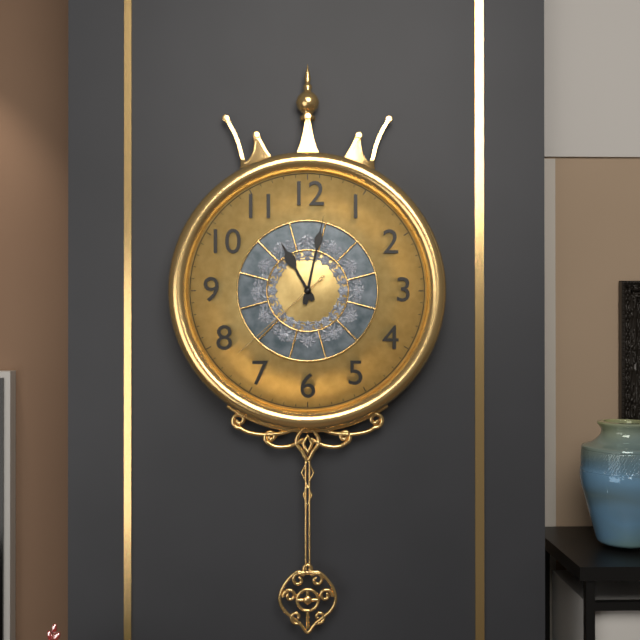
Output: **11:02:38**
